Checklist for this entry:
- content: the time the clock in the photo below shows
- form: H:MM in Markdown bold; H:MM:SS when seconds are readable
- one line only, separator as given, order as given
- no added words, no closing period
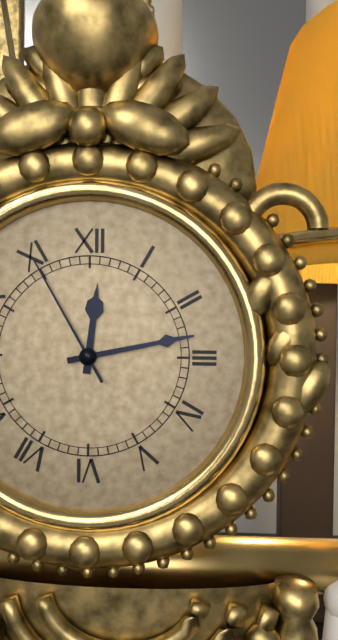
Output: **12:13:55**
